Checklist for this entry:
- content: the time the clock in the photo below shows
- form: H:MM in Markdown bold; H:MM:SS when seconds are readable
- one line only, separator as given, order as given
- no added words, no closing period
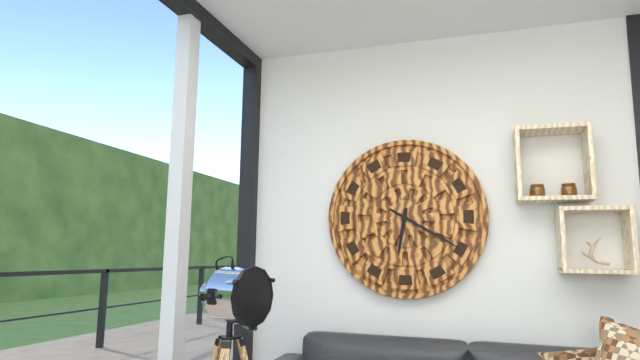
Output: **6:20**
